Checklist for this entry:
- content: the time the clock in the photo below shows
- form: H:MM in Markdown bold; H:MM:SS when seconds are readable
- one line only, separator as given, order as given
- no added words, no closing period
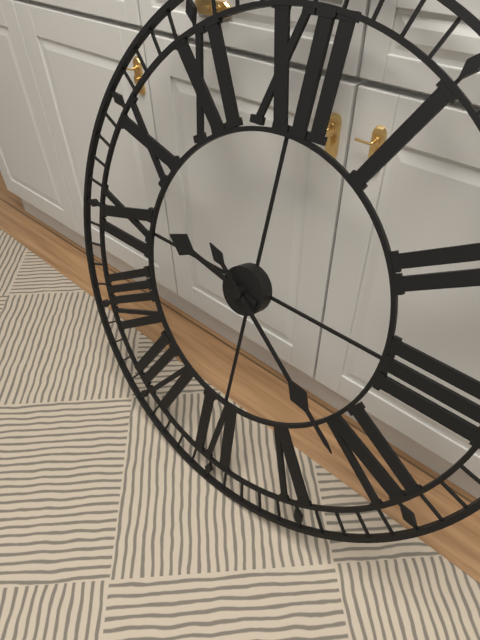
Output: **9:21**
